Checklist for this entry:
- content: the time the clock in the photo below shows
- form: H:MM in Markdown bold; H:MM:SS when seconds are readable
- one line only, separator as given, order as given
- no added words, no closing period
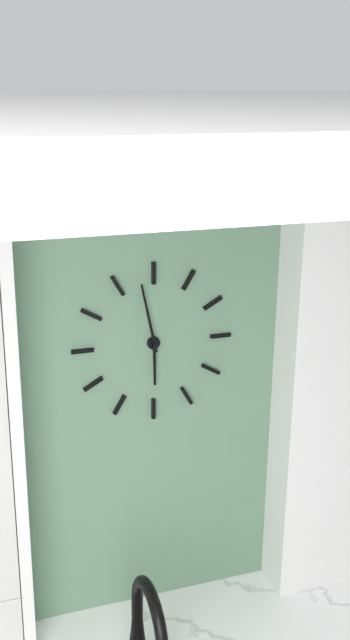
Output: **5:58**
